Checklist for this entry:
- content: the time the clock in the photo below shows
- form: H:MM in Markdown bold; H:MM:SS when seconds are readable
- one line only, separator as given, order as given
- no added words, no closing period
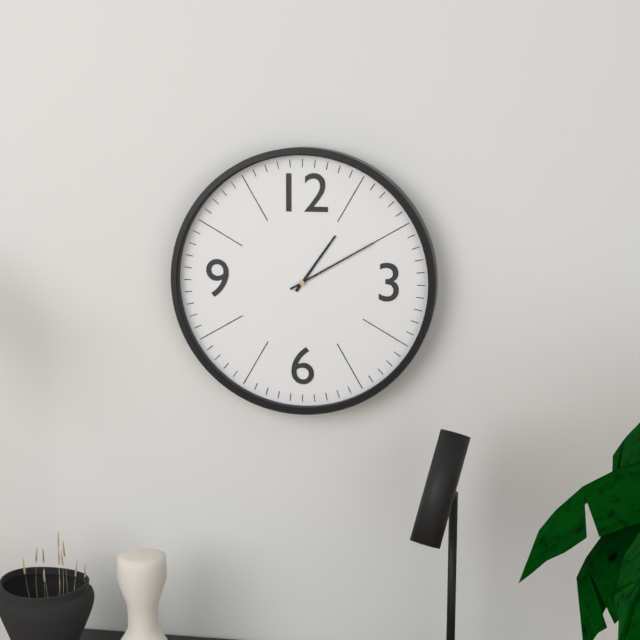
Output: **1:10**
